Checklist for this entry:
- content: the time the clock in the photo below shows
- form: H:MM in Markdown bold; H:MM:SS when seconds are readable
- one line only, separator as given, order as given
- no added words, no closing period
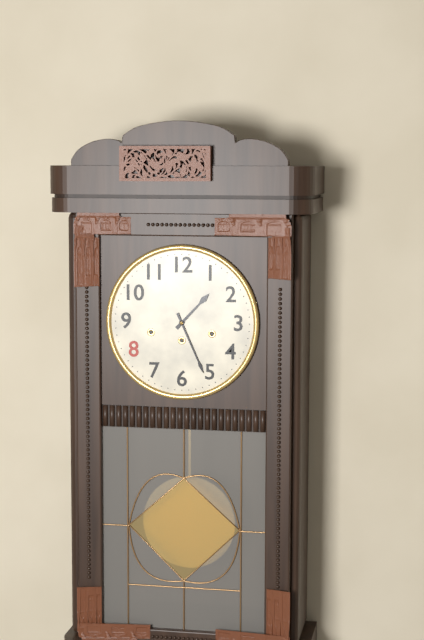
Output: **1:26**
